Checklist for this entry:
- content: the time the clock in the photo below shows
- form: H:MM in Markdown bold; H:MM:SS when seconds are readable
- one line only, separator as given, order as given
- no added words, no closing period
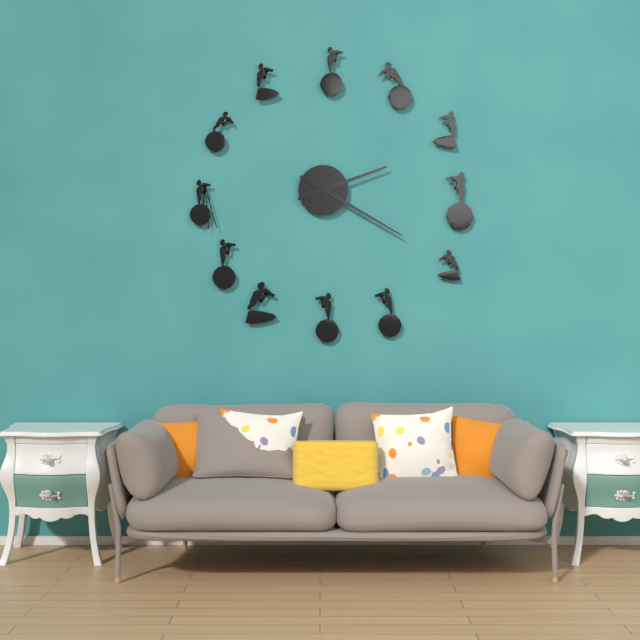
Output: **2:20**
